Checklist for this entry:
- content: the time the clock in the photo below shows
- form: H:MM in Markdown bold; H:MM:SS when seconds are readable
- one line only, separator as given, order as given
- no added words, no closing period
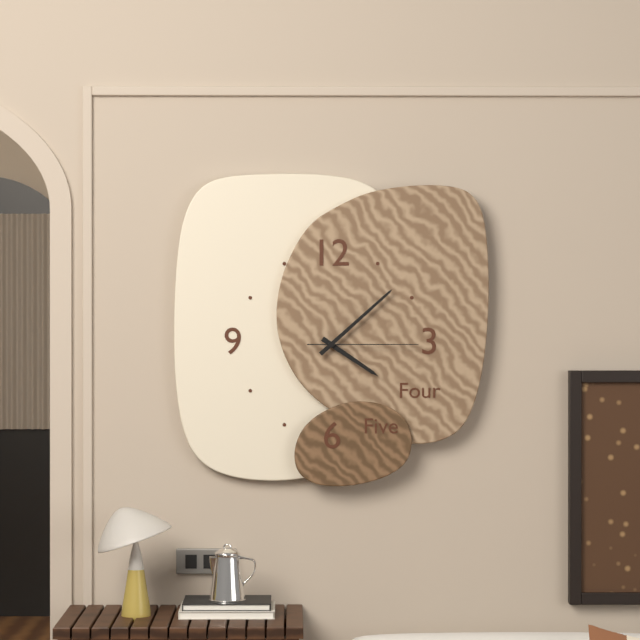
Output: **4:08:15**
